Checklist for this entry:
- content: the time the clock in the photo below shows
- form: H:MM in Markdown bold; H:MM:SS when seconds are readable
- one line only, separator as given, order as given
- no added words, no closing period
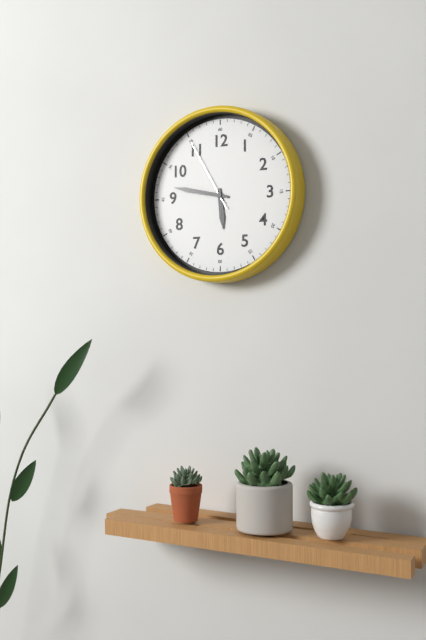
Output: **5:47:55**
